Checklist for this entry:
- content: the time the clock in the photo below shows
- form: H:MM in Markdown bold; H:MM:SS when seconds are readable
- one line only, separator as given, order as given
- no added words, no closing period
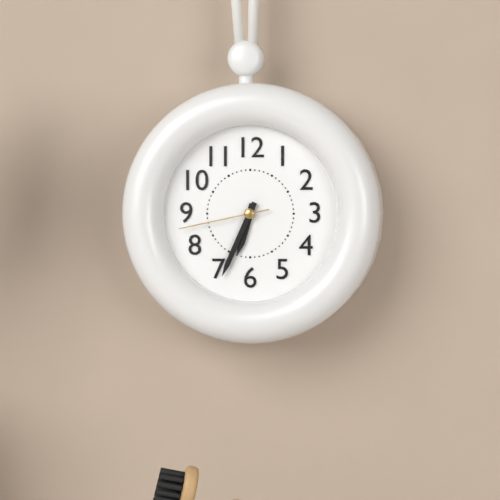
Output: **6:34:43**
